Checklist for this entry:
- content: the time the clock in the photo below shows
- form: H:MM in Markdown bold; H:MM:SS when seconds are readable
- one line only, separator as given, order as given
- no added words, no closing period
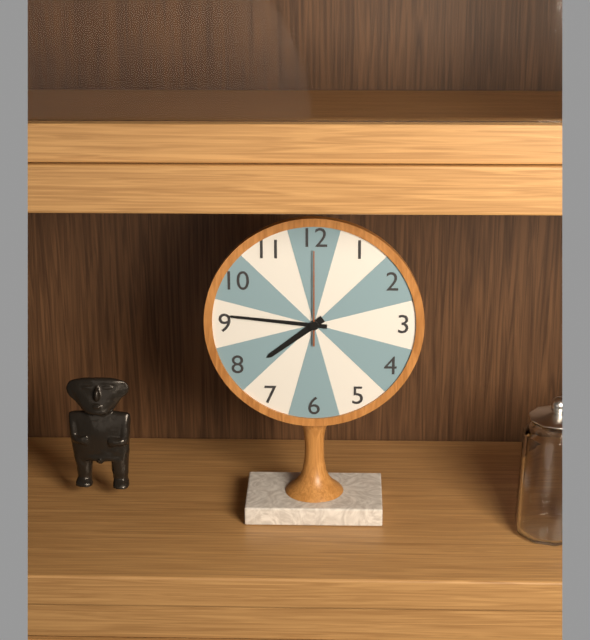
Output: **7:46:00**
